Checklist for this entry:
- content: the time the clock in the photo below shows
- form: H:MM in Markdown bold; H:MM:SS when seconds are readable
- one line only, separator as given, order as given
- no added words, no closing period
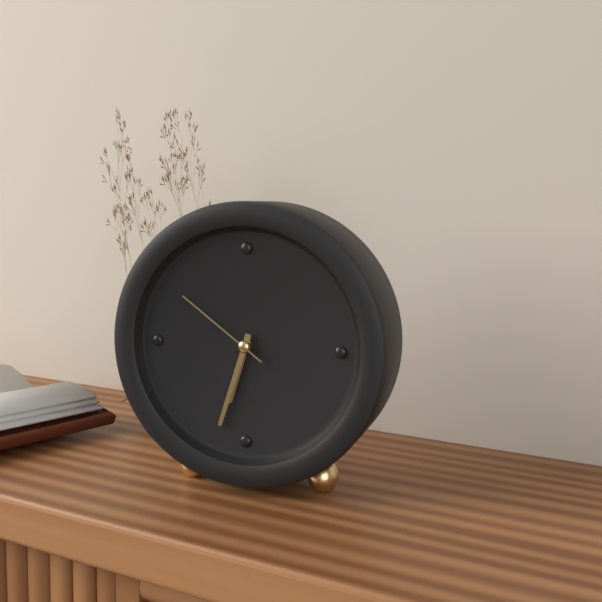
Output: **6:33:51**
